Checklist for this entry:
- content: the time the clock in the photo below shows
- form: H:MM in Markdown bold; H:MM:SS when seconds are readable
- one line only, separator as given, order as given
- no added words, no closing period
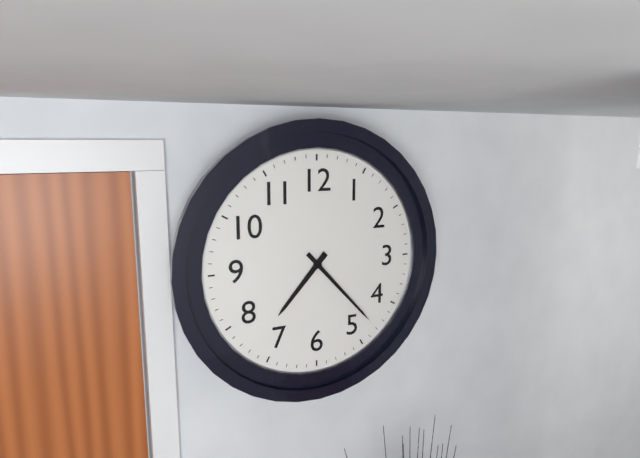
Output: **7:23**
